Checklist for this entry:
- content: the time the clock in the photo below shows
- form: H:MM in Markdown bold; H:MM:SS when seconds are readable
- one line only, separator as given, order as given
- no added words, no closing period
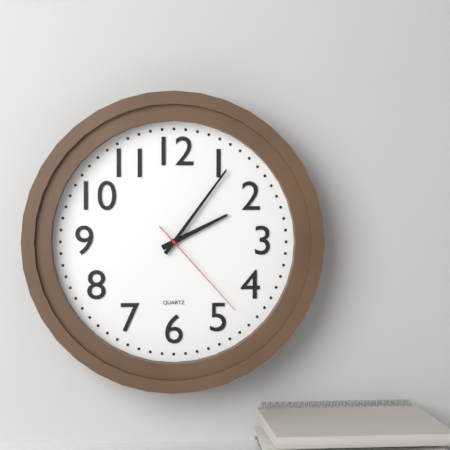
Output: **2:06:23**
